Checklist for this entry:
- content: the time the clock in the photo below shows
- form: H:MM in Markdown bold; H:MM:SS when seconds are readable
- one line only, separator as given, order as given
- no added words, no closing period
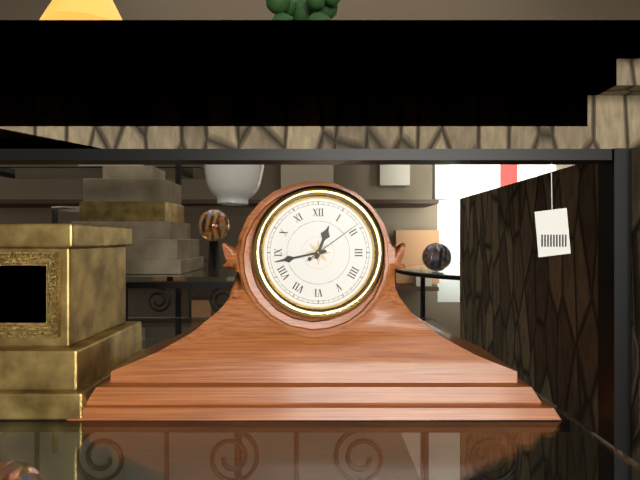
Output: **12:43:09**
